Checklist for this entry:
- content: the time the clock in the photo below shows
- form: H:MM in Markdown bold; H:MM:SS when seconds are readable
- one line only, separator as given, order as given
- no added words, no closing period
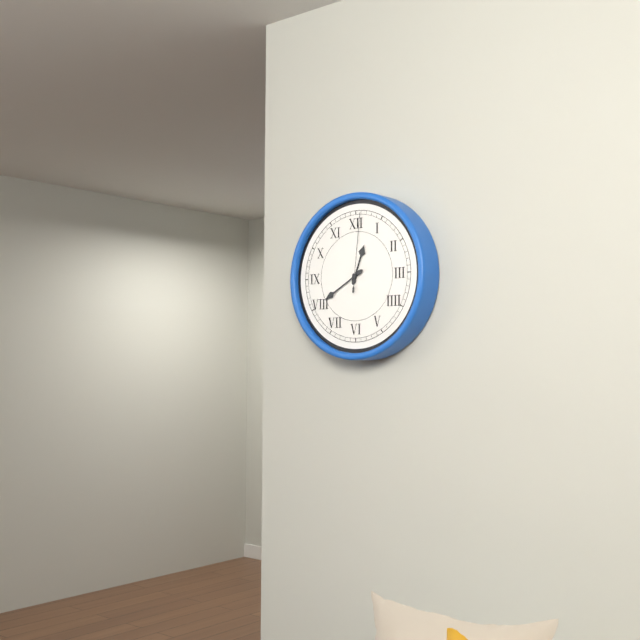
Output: **12:40:01**
